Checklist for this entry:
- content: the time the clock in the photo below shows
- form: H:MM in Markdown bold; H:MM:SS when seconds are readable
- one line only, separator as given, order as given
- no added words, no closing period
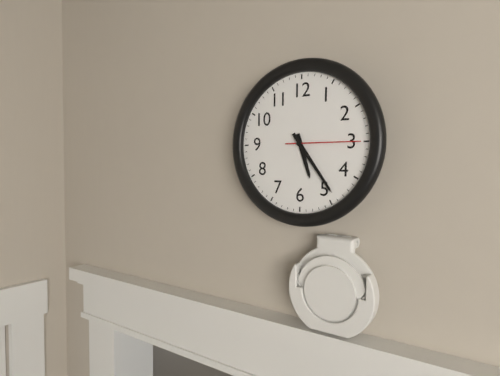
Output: **5:24:15**
